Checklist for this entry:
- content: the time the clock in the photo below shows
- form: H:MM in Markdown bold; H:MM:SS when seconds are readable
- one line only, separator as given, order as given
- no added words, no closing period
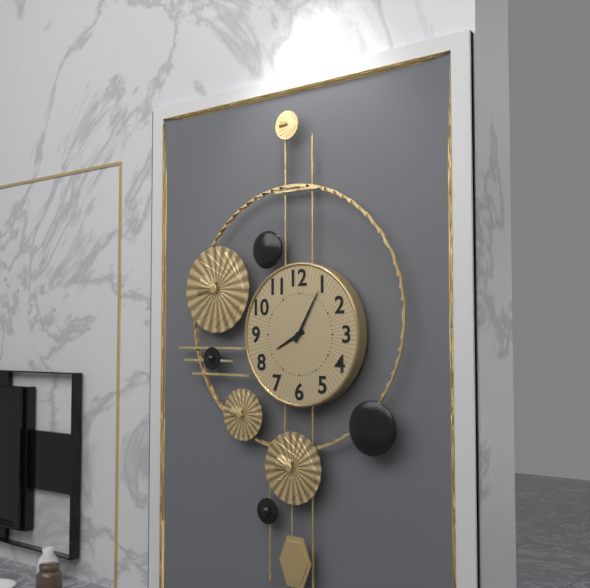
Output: **8:05**
